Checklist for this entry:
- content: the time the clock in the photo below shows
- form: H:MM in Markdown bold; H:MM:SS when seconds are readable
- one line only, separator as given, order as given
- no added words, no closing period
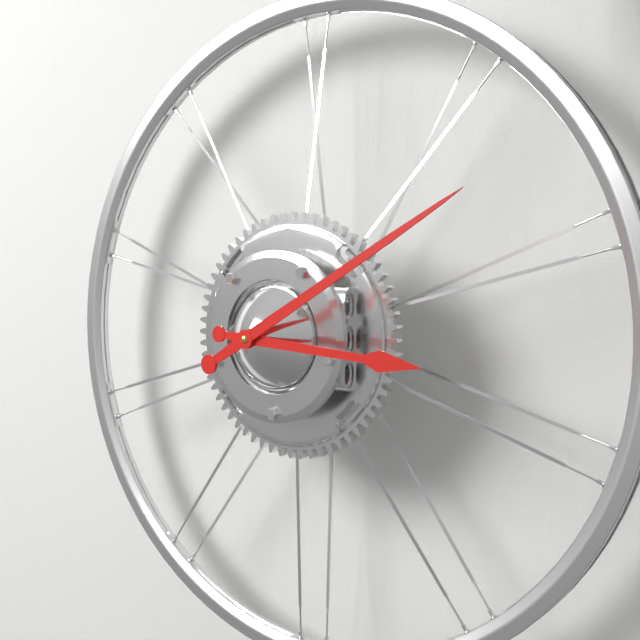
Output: **3:10**
